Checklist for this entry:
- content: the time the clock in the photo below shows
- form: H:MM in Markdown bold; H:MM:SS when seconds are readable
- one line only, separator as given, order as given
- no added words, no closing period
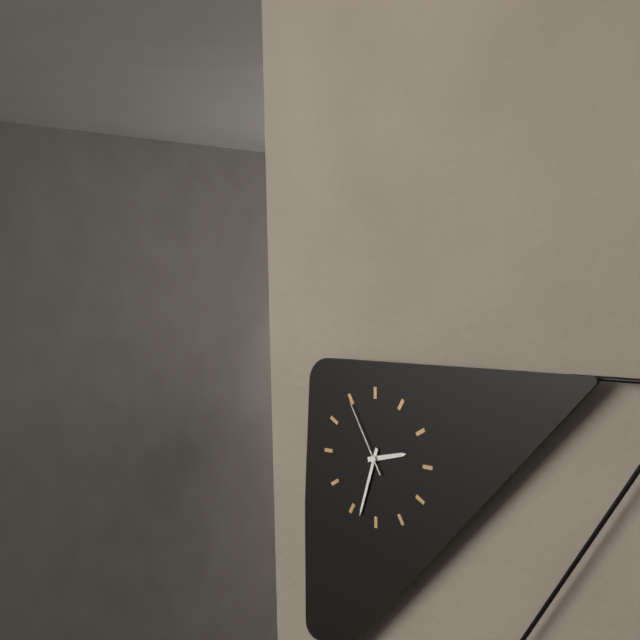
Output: **2:33:55**
